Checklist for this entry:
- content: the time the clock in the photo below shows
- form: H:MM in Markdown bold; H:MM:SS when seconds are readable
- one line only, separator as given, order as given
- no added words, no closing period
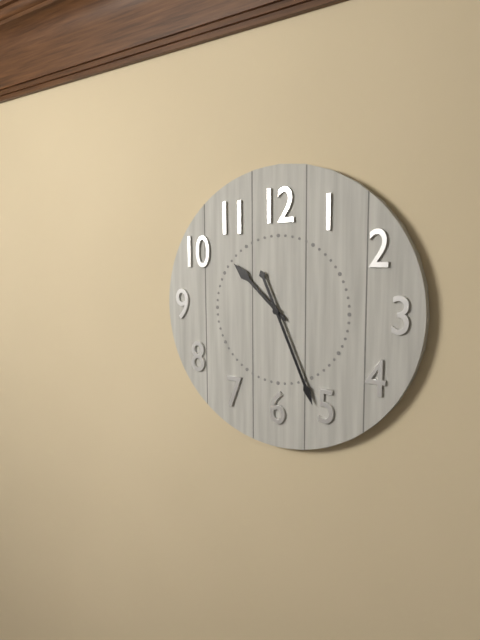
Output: **10:26**
